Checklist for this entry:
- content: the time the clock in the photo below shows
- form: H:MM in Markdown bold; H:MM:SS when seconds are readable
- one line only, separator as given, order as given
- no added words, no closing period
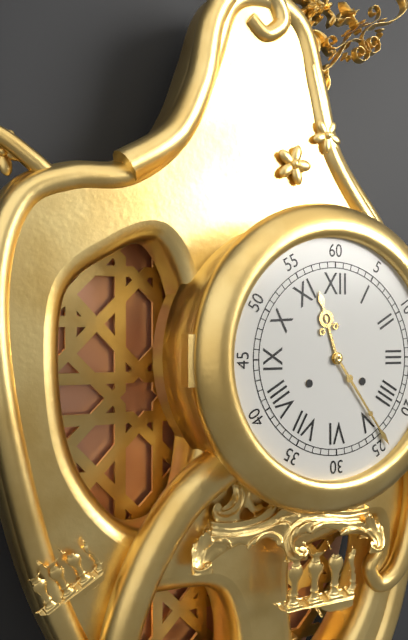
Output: **11:24**
